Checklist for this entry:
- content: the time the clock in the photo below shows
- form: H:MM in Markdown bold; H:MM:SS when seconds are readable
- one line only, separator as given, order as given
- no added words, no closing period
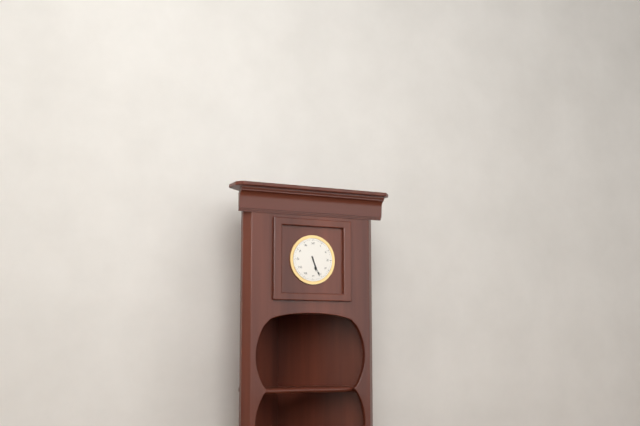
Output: **5:26**
